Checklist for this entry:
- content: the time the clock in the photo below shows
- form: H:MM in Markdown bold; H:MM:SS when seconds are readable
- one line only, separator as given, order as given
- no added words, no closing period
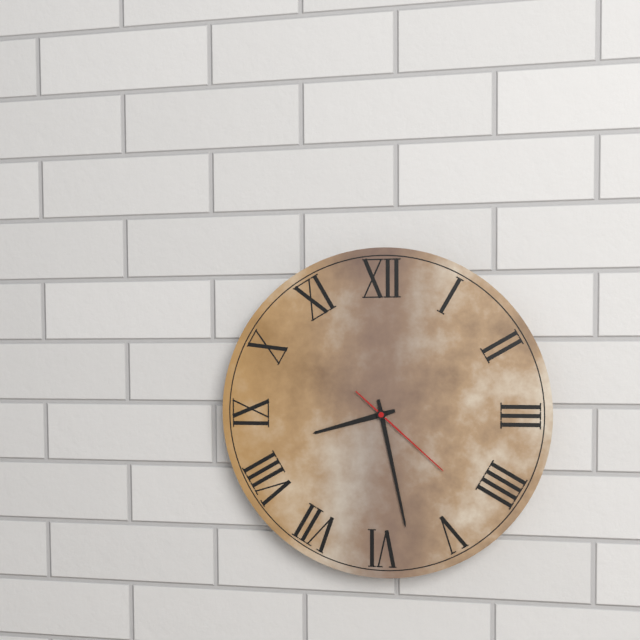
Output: **8:28:22**
